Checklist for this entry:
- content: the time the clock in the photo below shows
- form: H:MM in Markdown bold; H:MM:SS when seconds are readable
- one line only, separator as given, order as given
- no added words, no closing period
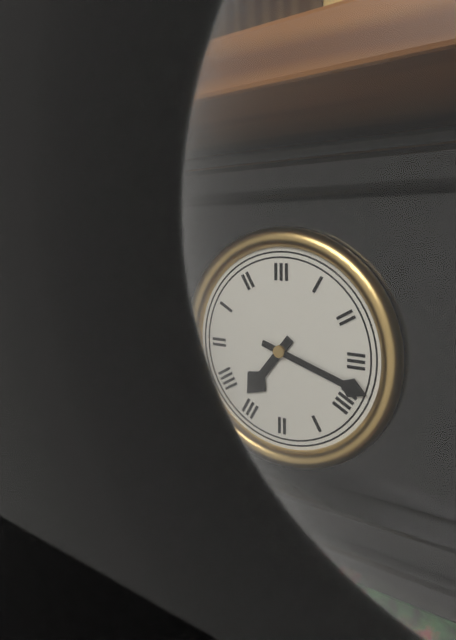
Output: **7:18**
